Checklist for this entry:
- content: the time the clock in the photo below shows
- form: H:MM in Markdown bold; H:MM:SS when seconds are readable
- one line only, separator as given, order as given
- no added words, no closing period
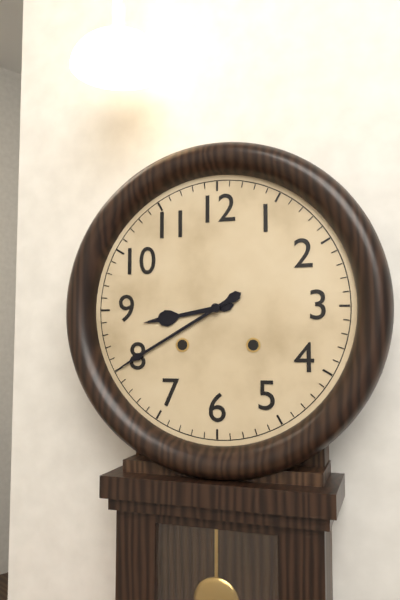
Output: **8:40**
